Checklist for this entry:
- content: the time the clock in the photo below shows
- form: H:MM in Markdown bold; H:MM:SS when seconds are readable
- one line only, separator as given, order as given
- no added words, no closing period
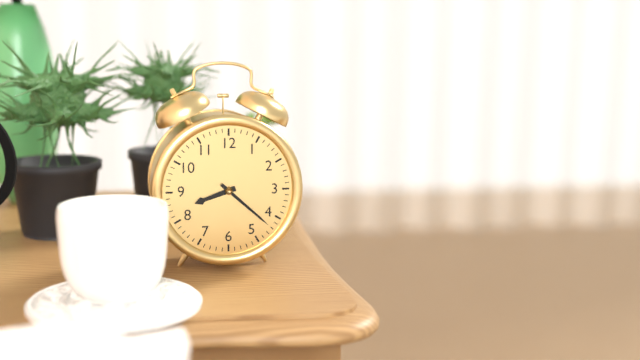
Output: **8:22**
